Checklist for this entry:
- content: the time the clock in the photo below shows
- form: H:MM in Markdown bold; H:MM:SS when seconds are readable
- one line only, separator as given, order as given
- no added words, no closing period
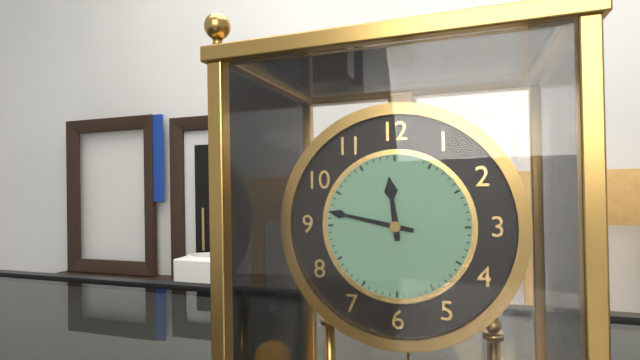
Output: **11:47**
